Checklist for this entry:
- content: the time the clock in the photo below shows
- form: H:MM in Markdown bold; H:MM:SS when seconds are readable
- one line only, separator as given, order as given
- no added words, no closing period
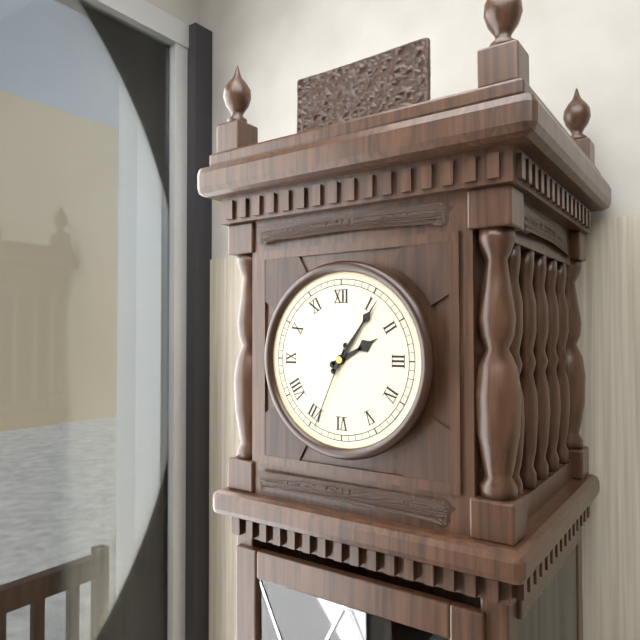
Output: **2:06:34**
